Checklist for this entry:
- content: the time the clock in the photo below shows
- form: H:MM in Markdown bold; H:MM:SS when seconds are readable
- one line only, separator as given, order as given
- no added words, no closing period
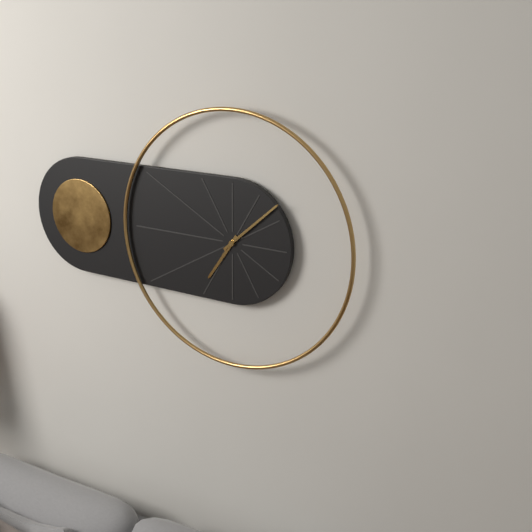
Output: **7:08**
